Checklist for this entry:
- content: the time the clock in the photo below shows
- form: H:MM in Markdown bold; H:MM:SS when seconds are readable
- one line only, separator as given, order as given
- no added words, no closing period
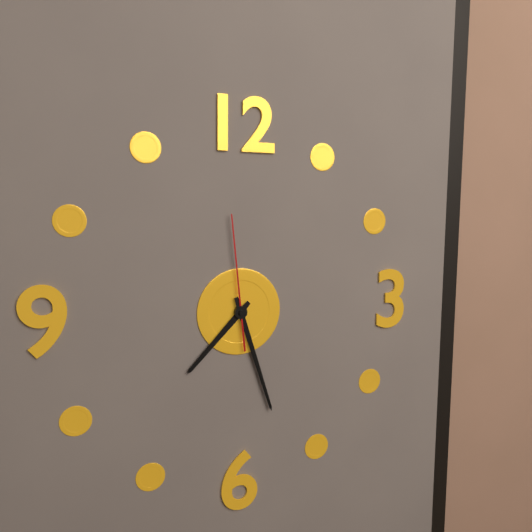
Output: **7:27:59**
